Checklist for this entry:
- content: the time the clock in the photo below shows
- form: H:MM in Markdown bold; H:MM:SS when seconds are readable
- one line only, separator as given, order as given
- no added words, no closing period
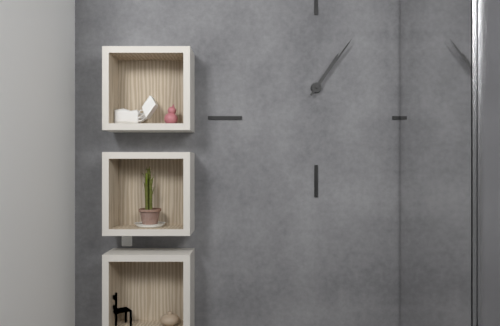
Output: **1:06**
